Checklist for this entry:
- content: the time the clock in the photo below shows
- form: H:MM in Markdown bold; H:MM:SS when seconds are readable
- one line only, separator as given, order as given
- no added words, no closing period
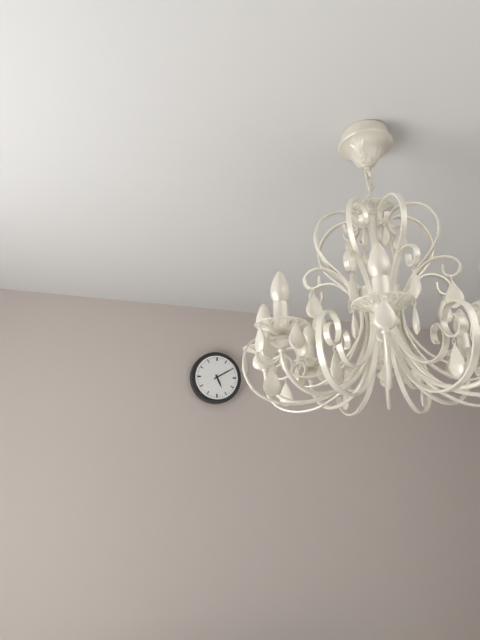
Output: **5:10**
